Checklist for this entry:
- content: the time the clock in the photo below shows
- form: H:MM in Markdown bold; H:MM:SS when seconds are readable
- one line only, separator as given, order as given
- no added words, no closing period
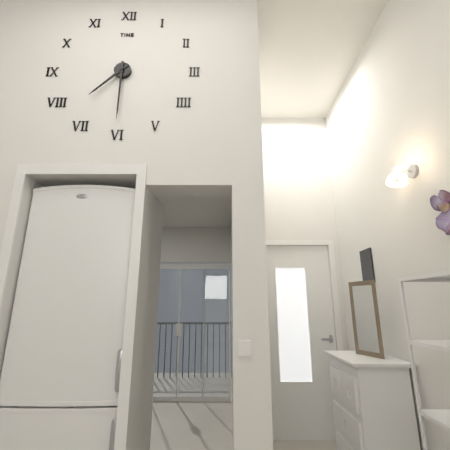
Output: **7:30**
